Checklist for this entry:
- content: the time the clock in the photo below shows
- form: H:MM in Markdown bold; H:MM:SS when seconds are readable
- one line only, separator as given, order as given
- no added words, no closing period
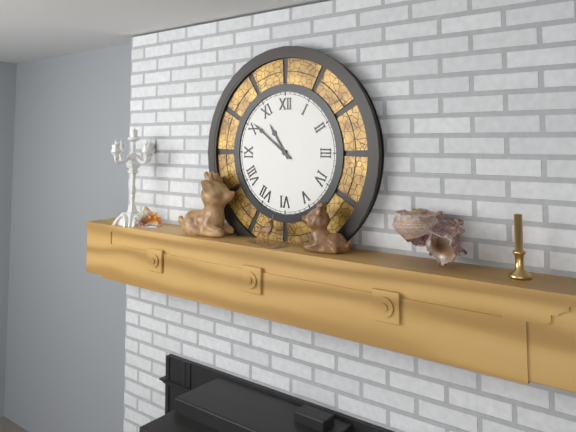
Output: **10:51**
